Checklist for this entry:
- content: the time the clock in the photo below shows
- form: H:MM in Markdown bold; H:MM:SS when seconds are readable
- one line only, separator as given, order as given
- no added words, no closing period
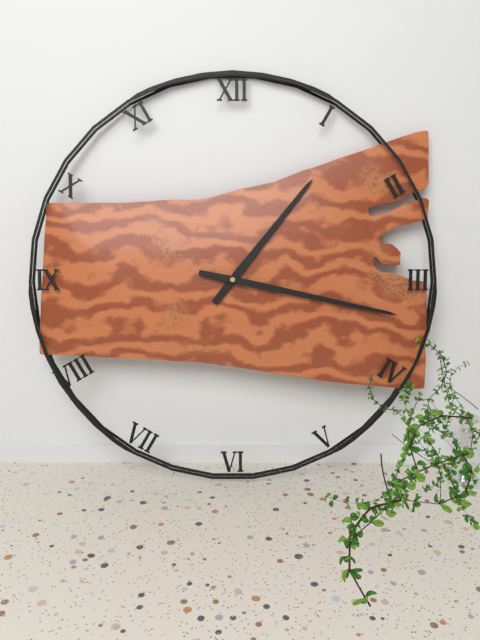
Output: **1:17**
